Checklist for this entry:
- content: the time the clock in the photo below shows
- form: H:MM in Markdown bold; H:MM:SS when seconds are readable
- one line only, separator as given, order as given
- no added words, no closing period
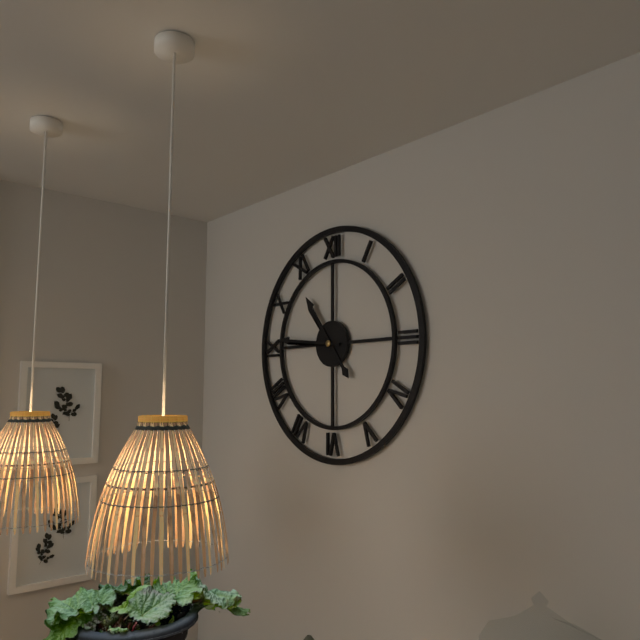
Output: **10:46**
